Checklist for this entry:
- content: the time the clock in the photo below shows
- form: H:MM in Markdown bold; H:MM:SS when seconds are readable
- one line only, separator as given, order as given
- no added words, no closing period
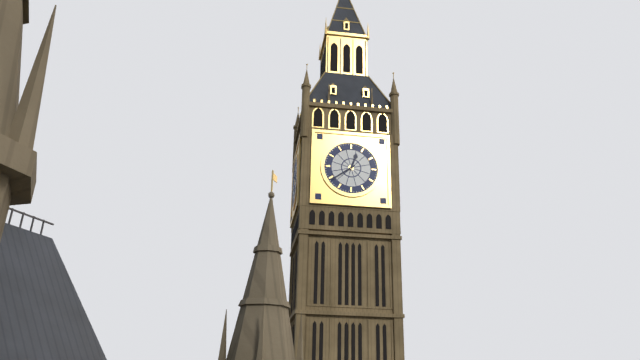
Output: **12:39**
